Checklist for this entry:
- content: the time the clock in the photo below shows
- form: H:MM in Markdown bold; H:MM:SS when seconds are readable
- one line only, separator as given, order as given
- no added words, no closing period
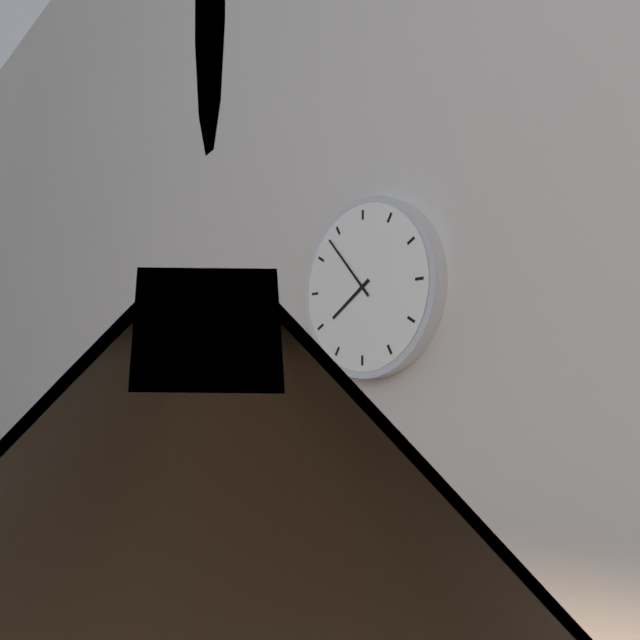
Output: **7:53**
